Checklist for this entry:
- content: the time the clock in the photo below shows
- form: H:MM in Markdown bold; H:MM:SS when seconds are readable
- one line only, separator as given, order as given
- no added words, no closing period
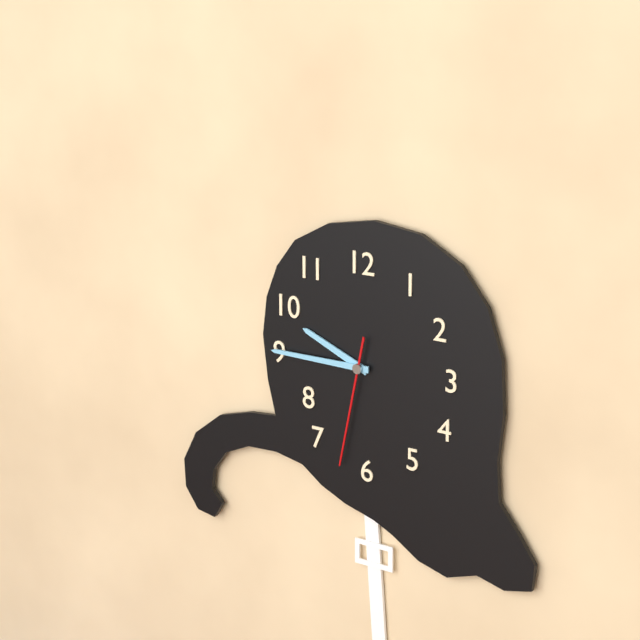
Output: **9:45:32**
